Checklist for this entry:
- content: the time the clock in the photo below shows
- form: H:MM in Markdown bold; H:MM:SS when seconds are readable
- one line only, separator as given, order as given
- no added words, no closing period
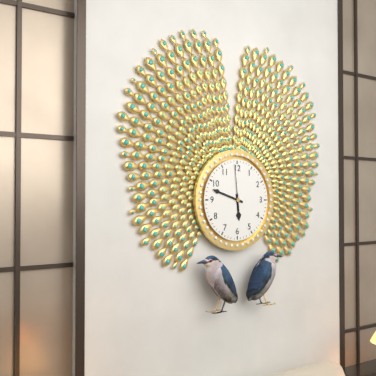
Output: **5:48**
